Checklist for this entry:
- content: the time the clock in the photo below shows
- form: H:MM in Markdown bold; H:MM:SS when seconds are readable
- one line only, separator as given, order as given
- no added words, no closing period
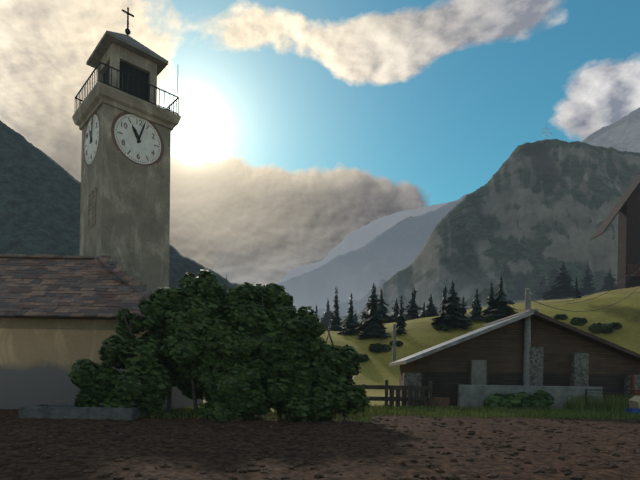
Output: **11:03**
